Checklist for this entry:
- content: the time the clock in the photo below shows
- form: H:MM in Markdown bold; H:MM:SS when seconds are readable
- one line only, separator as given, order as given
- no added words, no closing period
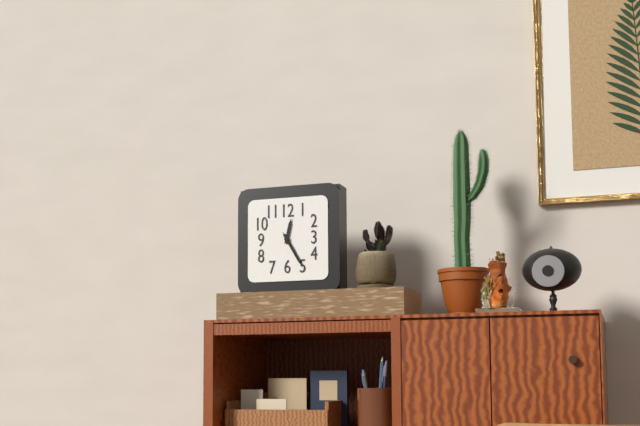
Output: **12:25**
